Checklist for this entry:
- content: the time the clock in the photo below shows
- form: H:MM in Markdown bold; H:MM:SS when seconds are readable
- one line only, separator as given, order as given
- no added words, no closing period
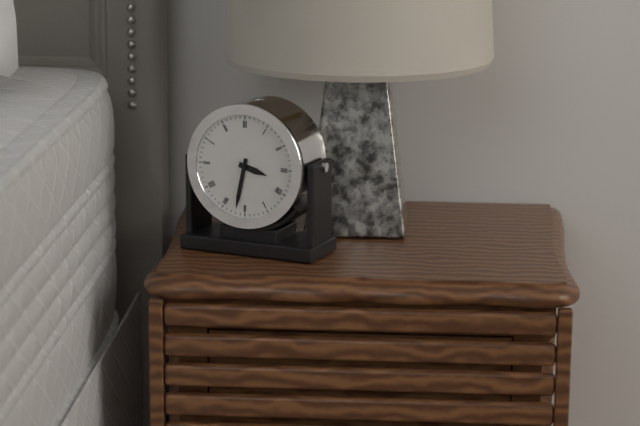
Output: **3:32**
